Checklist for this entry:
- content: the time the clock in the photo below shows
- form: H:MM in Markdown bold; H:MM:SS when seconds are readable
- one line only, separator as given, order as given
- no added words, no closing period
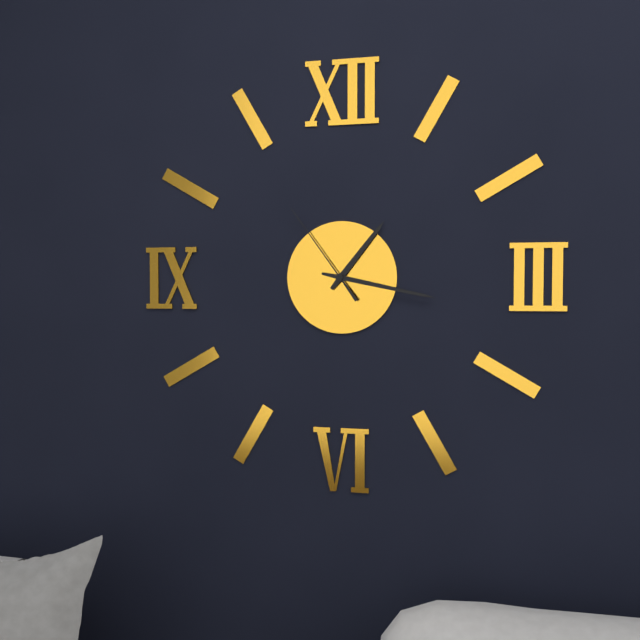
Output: **1:17:54**
